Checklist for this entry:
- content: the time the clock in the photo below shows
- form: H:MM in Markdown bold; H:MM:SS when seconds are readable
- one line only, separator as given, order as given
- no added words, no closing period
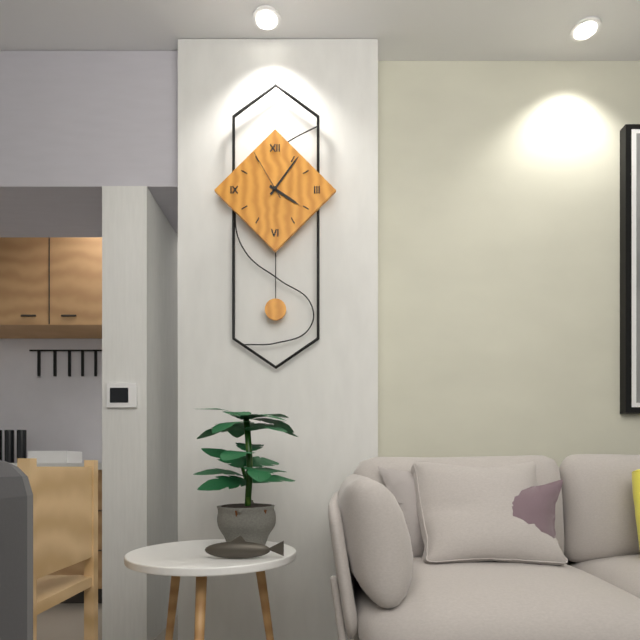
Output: **4:06:55**
